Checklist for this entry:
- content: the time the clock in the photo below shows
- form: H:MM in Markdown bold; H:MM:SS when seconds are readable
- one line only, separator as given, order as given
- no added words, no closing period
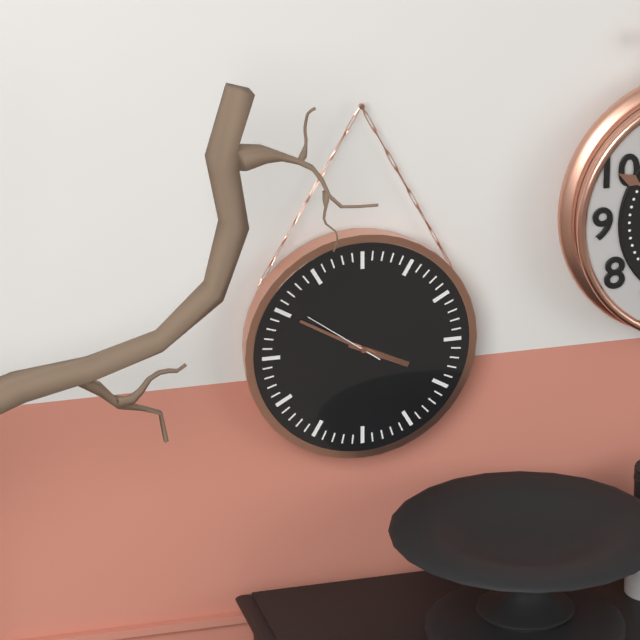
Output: **3:50:51**
